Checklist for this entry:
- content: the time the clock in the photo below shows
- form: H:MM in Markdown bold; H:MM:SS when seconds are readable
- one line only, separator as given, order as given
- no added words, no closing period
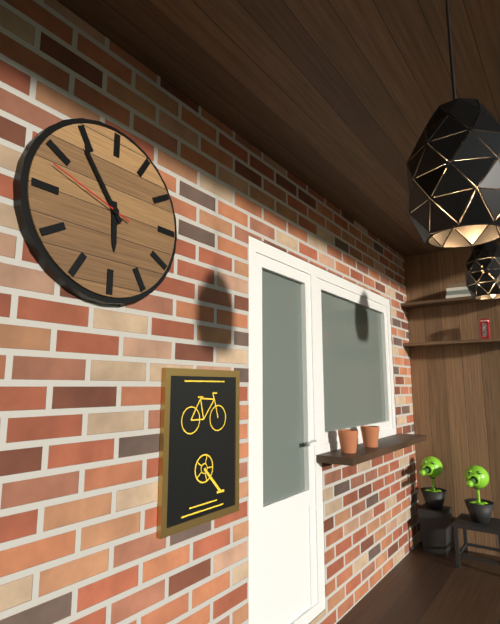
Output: **5:54:48**
